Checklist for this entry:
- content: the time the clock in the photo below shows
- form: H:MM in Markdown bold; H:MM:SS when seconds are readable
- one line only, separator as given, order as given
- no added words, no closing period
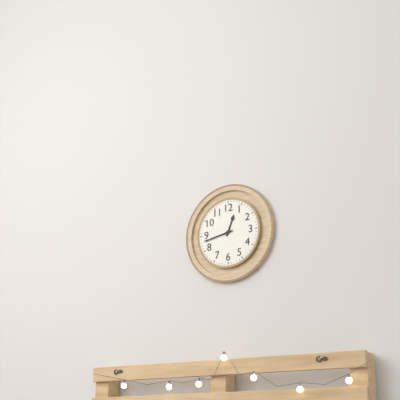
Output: **12:43**
